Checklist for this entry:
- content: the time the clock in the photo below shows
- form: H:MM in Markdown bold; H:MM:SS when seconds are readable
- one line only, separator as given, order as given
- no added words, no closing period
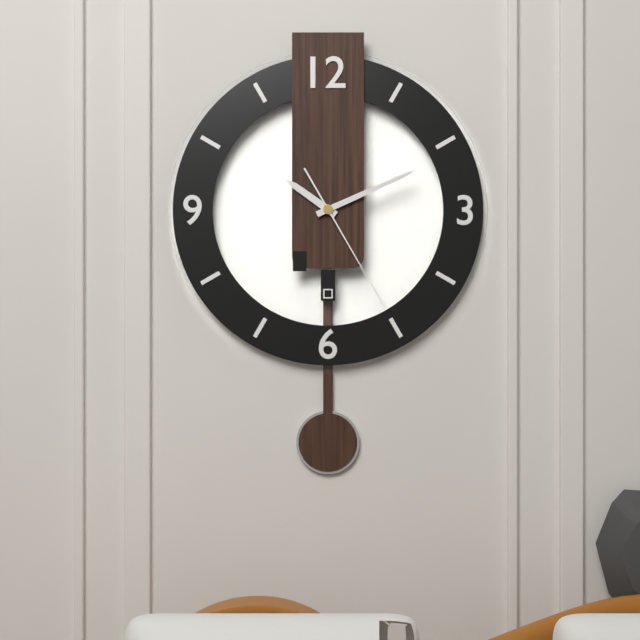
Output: **10:11:25**
